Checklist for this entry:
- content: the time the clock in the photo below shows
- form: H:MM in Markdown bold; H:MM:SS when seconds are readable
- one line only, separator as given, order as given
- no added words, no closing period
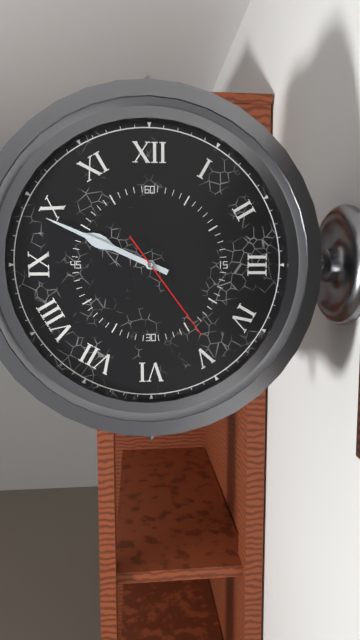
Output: **9:49:24**
